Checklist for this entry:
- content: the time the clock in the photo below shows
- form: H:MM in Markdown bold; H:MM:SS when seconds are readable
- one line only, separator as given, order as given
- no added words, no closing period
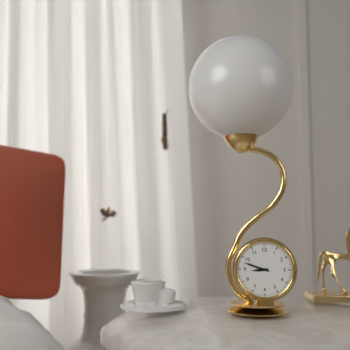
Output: **8:48**
